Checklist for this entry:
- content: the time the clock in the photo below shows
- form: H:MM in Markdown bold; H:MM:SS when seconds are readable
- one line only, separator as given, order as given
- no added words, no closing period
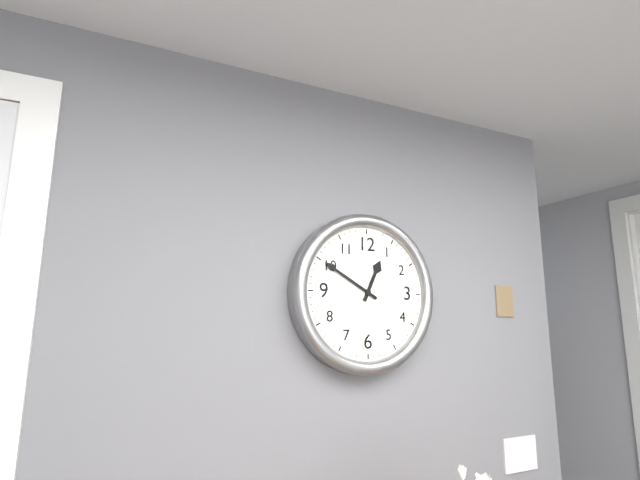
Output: **12:50**
